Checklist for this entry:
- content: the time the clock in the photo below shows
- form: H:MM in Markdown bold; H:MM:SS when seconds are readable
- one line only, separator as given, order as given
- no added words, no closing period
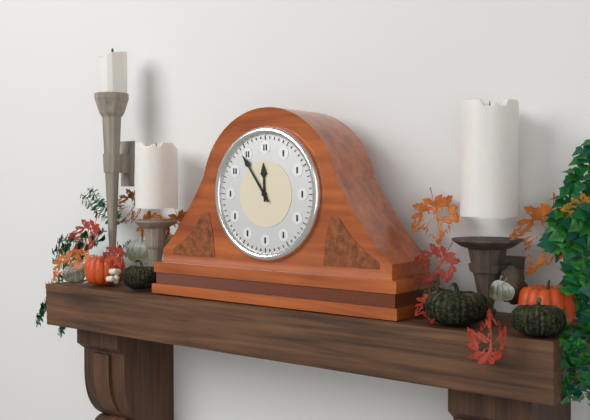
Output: **11:54**
